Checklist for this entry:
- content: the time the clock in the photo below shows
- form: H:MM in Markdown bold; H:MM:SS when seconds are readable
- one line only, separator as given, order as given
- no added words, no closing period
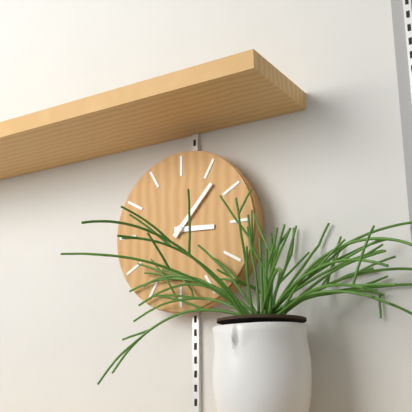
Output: **3:07**
